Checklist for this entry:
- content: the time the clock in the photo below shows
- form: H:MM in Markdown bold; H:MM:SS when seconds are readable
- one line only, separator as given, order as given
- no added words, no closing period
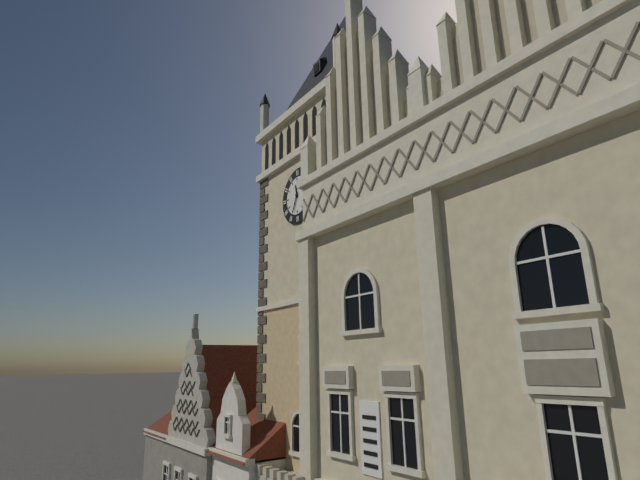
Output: **11:34**
